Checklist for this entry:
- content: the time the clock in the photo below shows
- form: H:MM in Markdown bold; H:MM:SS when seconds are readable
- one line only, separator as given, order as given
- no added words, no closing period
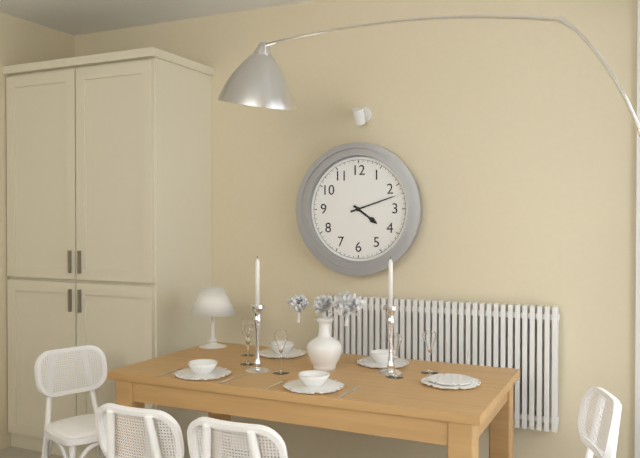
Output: **4:12**
